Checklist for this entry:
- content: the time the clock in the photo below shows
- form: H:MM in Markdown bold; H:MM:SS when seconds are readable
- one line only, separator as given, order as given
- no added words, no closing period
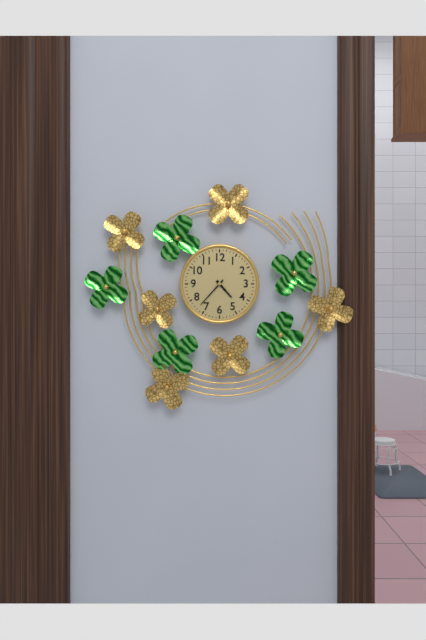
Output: **4:37**
